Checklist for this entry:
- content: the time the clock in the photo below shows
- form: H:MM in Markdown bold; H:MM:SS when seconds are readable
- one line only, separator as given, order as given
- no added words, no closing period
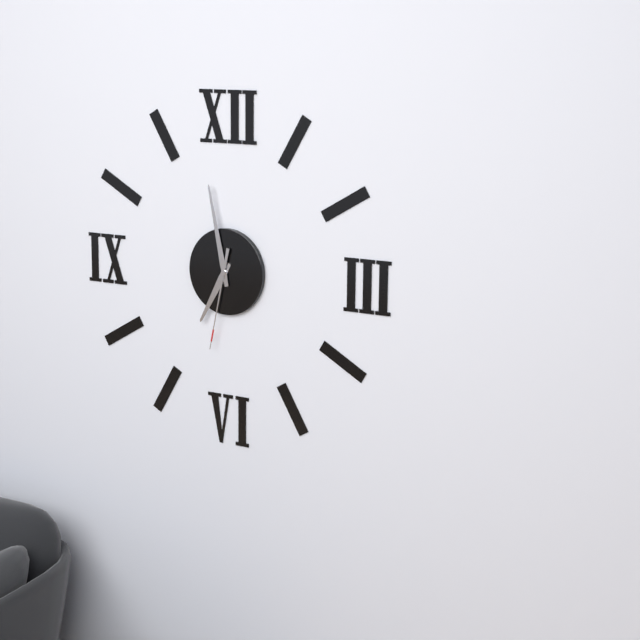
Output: **6:58:32**
